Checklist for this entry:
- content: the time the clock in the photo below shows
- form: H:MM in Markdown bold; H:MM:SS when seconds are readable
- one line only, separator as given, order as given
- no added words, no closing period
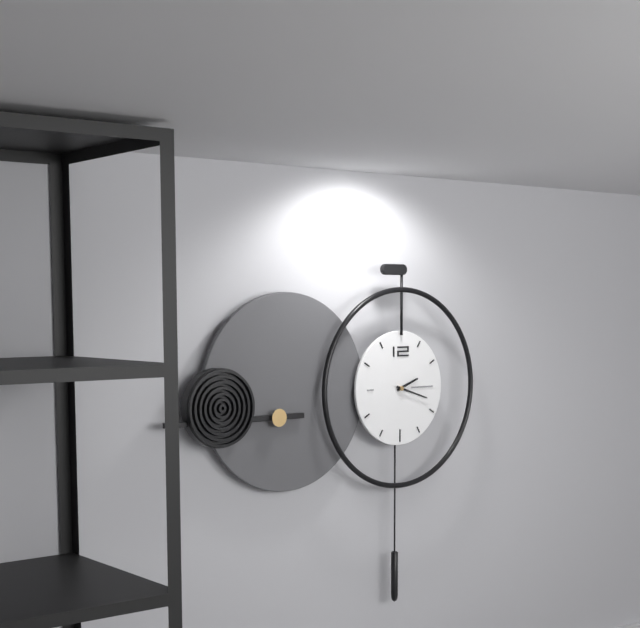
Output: **2:18**
